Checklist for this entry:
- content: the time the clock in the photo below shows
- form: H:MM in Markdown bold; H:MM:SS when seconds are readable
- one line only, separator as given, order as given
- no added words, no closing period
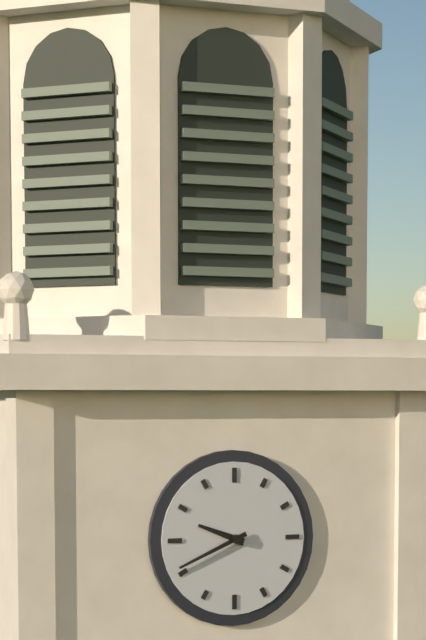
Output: **9:41**
